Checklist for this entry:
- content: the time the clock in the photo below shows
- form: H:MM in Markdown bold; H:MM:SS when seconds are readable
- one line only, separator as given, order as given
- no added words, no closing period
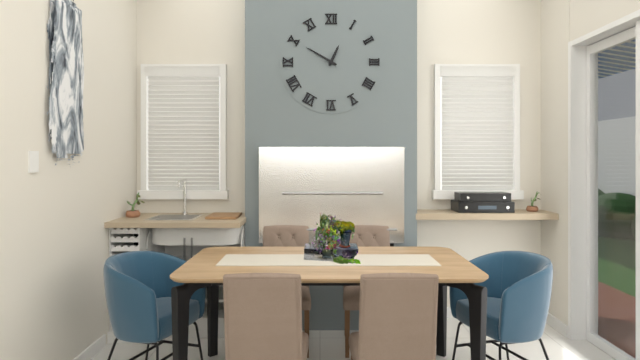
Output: **12:50**
